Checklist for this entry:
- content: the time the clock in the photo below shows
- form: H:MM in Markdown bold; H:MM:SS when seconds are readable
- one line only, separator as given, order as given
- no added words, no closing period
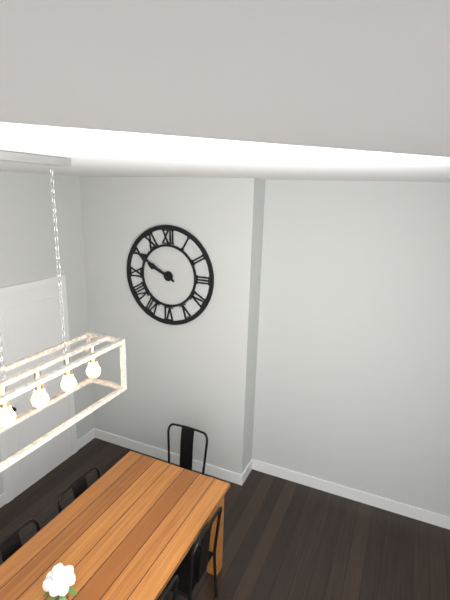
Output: **9:50**
